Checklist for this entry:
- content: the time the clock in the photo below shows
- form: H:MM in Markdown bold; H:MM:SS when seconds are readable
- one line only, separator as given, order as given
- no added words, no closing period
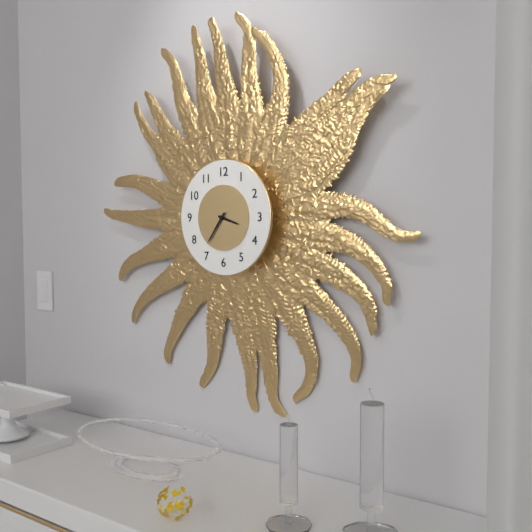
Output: **3:36**
